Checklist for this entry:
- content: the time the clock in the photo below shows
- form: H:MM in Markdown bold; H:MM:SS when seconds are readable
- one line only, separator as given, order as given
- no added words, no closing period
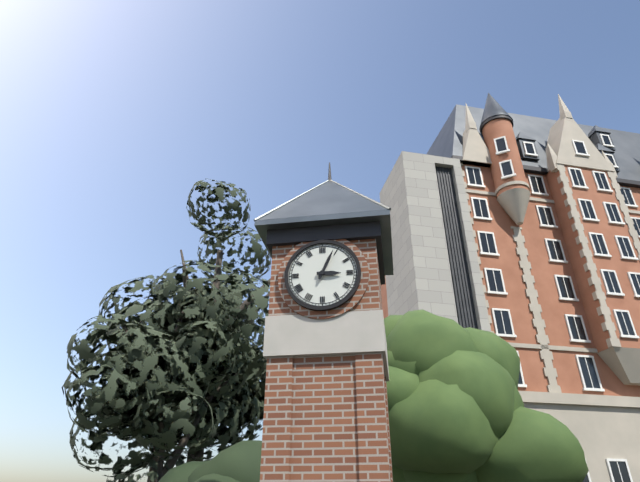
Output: **3:04**
